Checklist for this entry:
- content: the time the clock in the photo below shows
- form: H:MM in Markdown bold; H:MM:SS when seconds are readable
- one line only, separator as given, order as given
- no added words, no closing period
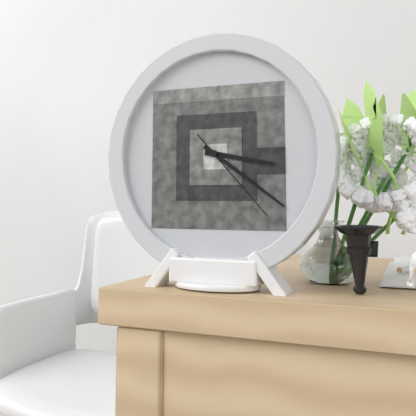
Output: **3:21:23**
